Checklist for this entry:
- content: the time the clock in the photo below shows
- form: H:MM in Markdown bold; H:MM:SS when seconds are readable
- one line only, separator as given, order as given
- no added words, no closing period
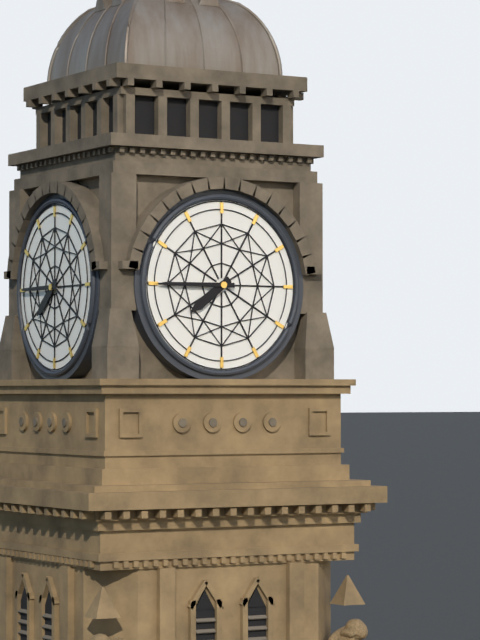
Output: **7:45**
